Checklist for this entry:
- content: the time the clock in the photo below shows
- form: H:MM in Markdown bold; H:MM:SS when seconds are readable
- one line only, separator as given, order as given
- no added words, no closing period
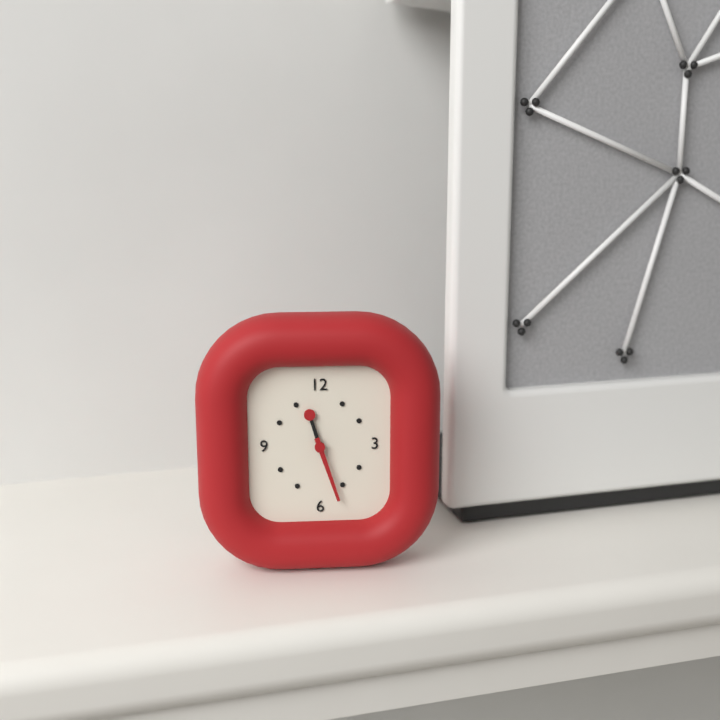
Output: **11:27**
